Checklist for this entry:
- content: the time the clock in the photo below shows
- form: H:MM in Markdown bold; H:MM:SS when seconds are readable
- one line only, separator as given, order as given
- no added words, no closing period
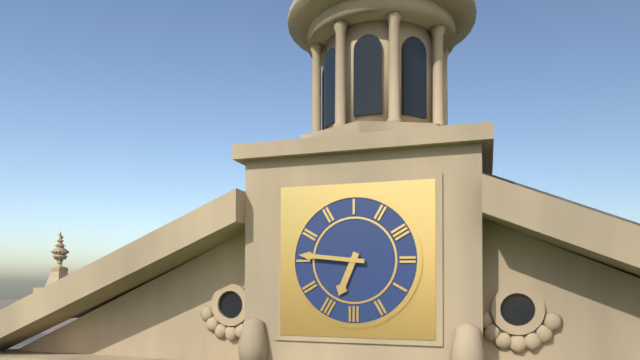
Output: **6:46**
